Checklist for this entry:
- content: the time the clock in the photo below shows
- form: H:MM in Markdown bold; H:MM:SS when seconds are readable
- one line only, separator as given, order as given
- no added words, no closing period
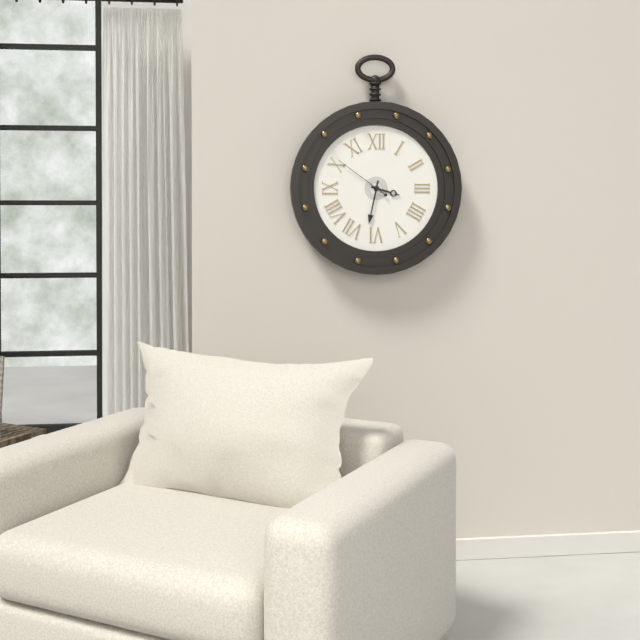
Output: **3:32:51**
